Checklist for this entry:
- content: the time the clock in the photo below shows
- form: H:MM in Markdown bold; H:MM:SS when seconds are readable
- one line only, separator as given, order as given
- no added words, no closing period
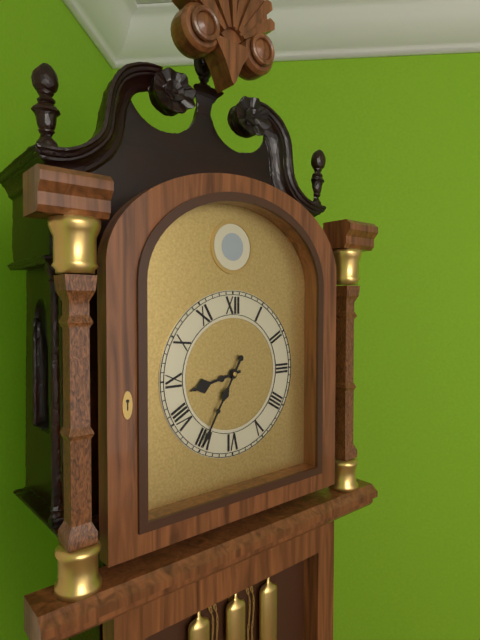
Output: **8:35**
